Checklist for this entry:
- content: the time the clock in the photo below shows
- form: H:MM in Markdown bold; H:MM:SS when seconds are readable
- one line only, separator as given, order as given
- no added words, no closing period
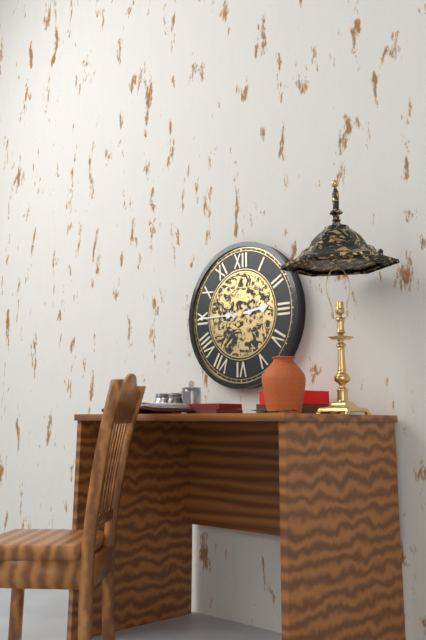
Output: **2:45**
